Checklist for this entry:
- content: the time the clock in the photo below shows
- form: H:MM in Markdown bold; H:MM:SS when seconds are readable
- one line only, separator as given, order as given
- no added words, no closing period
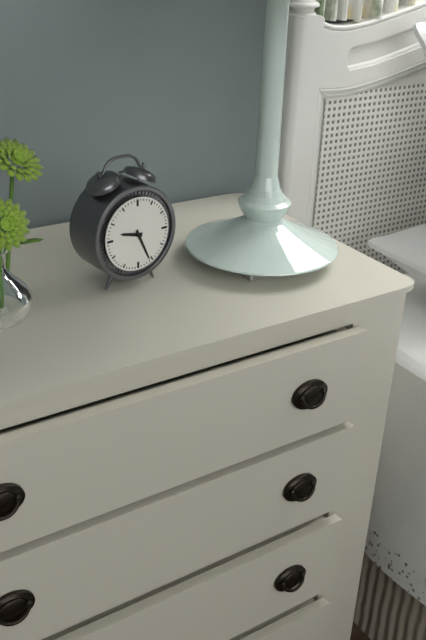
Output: **9:26**
